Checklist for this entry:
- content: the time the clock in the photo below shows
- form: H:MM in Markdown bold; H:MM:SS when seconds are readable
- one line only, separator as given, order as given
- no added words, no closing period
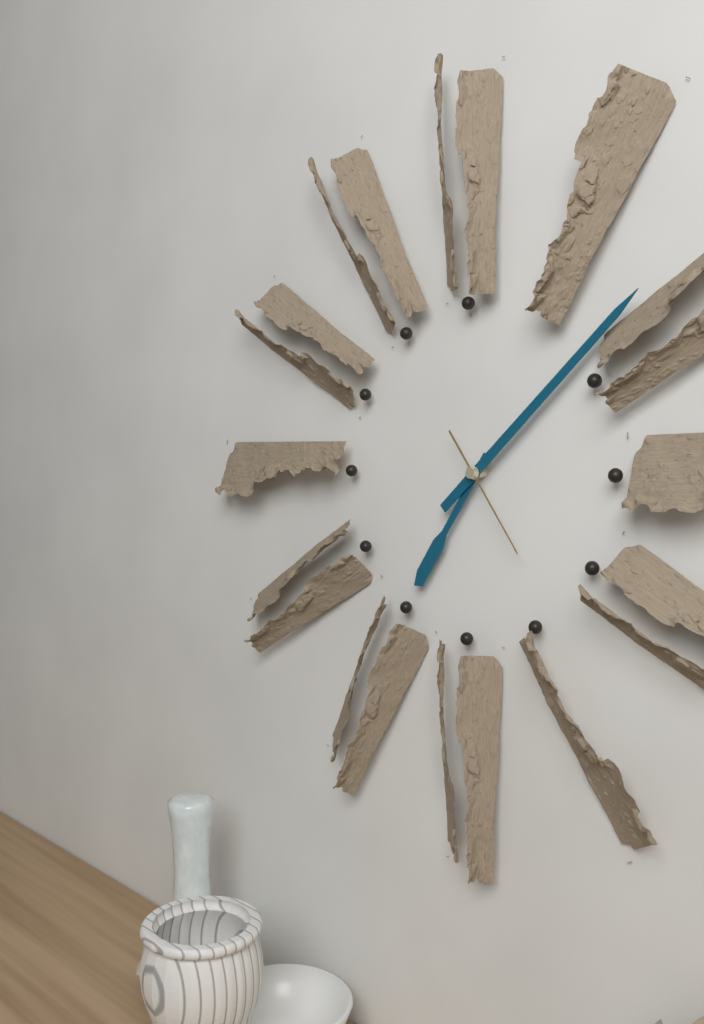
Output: **7:08:24**
